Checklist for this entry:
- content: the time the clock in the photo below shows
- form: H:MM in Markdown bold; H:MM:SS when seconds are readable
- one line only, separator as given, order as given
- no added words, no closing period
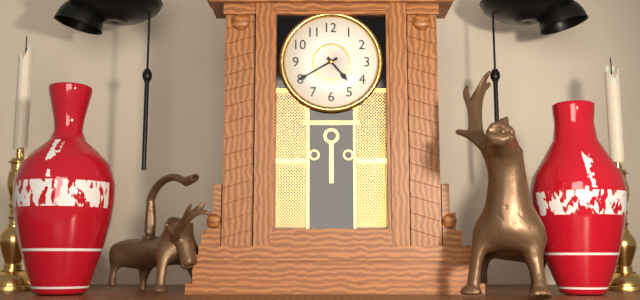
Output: **4:40**
